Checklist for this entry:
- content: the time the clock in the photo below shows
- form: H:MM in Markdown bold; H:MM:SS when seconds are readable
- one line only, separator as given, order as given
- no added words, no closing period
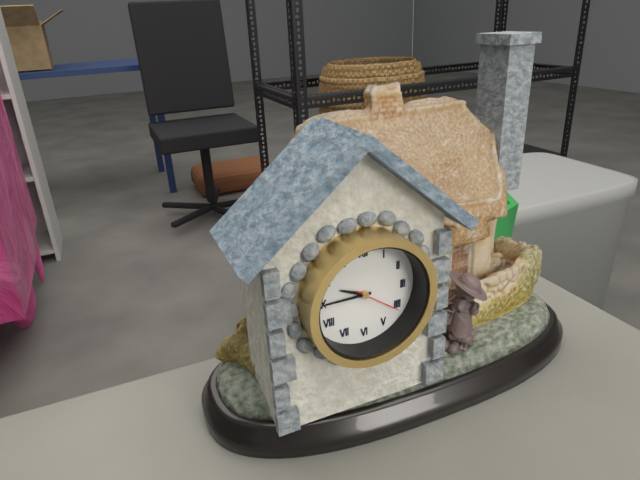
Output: **9:45**
